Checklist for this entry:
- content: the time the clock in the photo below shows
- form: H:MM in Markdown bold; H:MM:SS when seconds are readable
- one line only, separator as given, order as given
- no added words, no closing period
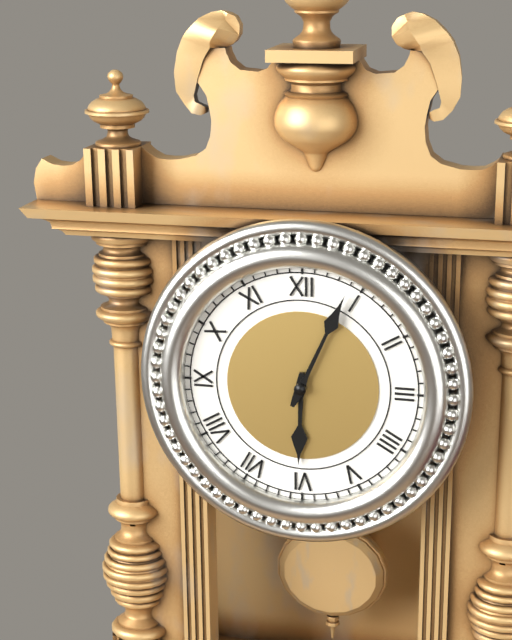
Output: **6:04**
